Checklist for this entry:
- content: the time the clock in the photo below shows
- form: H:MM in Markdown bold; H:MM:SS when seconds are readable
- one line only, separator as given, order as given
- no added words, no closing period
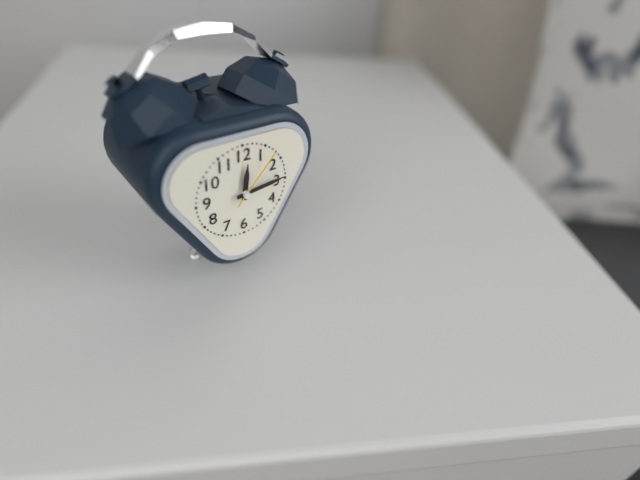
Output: **12:14:07**
